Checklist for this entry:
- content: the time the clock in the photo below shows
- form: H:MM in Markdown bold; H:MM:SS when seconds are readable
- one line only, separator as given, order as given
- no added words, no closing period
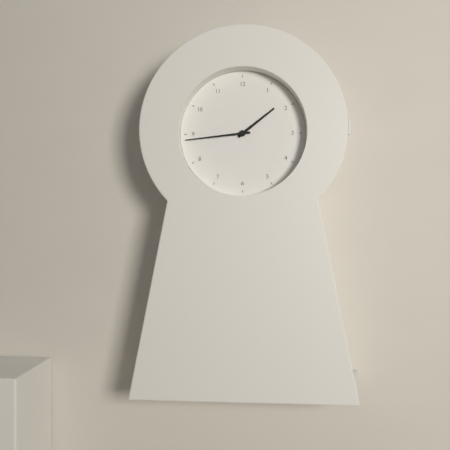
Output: **1:44**
